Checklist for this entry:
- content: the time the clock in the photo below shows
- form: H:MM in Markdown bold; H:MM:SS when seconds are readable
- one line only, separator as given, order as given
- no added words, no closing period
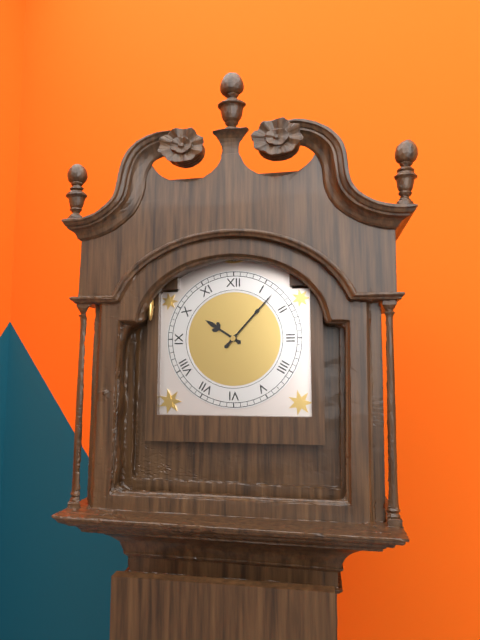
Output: **10:07**
